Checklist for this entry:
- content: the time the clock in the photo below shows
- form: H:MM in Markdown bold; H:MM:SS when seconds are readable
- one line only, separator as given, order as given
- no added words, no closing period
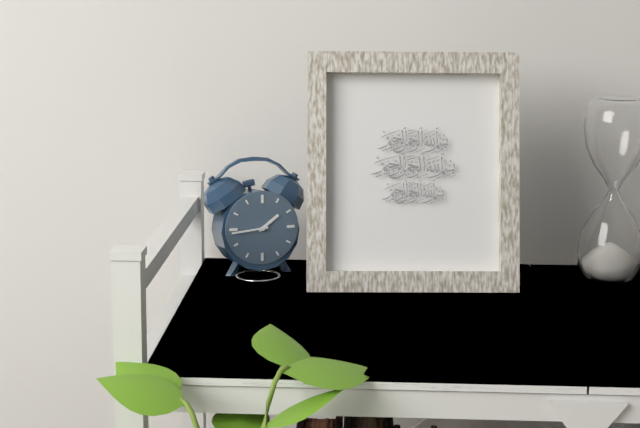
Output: **1:44**
